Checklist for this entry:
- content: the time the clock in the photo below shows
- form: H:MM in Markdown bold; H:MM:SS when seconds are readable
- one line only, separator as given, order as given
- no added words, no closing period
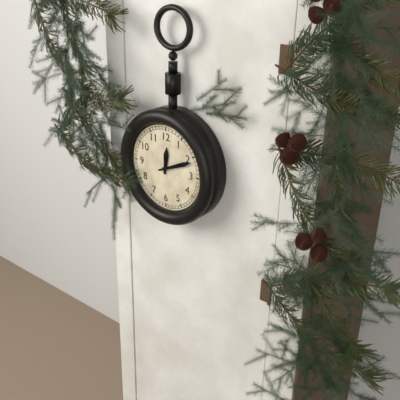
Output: **12:11**
